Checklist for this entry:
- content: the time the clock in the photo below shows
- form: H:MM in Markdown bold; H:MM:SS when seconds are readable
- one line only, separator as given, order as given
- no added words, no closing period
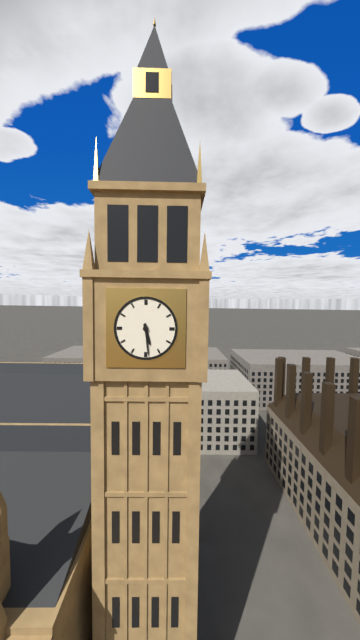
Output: **5:29**
